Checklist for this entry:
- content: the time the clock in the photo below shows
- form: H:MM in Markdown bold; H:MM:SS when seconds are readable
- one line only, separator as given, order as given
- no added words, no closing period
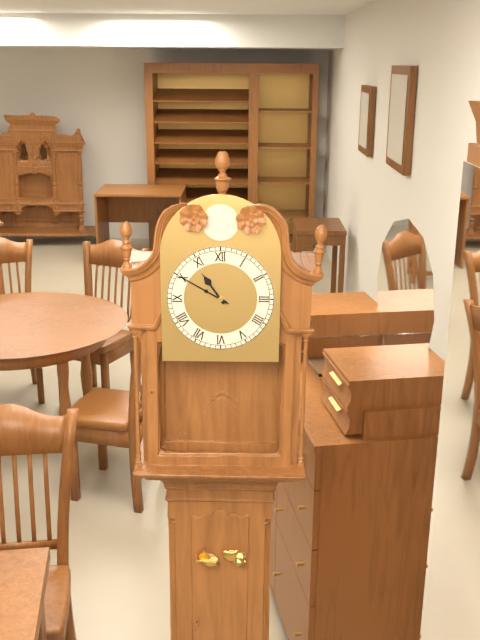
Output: **10:50**
